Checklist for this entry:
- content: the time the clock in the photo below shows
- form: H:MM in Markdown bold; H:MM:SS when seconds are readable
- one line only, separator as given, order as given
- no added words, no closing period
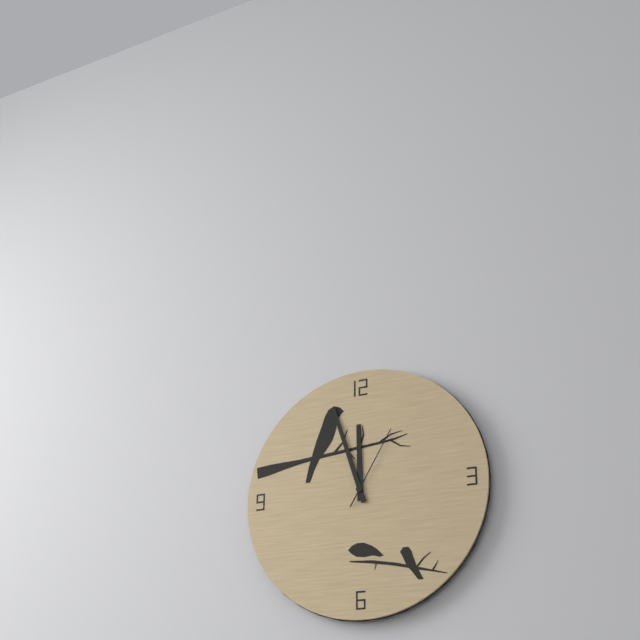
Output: **11:57:05**
